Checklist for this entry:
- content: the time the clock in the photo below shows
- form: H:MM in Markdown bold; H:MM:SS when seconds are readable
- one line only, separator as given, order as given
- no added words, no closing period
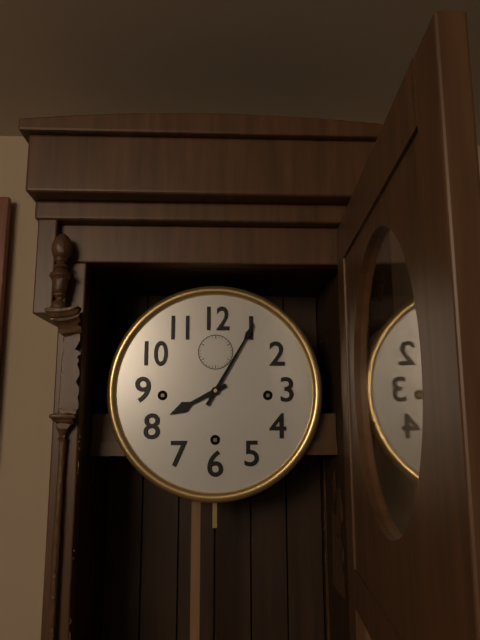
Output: **8:05**
